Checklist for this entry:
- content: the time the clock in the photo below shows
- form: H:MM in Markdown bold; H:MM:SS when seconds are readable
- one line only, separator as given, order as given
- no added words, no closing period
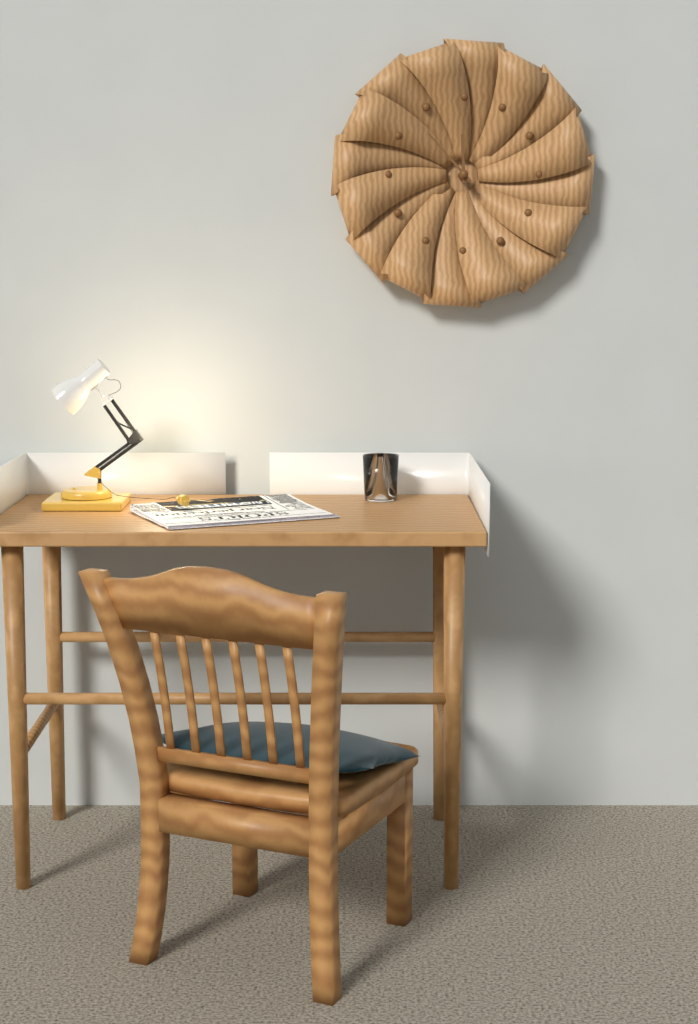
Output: **11:53**
